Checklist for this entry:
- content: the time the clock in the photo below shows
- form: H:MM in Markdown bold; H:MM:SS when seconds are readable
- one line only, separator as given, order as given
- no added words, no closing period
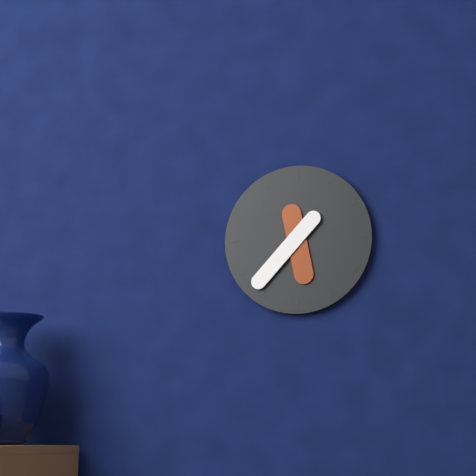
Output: **5:37**
